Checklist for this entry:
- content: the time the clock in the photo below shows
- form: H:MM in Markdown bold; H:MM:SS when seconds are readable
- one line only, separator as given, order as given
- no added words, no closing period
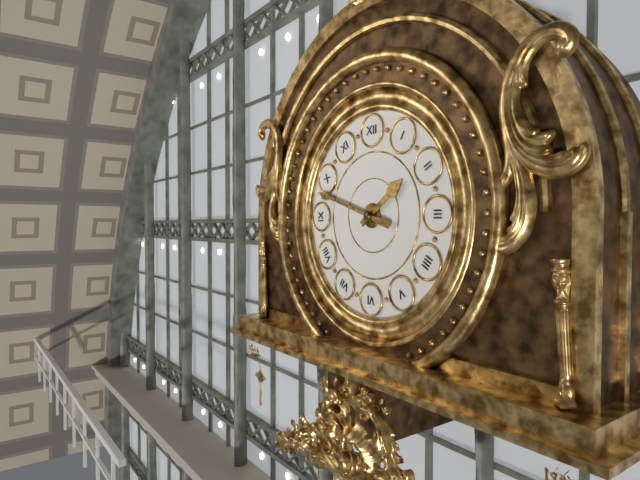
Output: **1:48**
